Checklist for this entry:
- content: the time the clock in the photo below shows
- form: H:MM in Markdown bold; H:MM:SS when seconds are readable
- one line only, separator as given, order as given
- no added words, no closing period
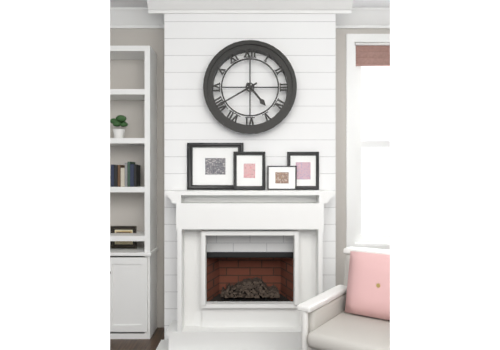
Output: **4:40**
